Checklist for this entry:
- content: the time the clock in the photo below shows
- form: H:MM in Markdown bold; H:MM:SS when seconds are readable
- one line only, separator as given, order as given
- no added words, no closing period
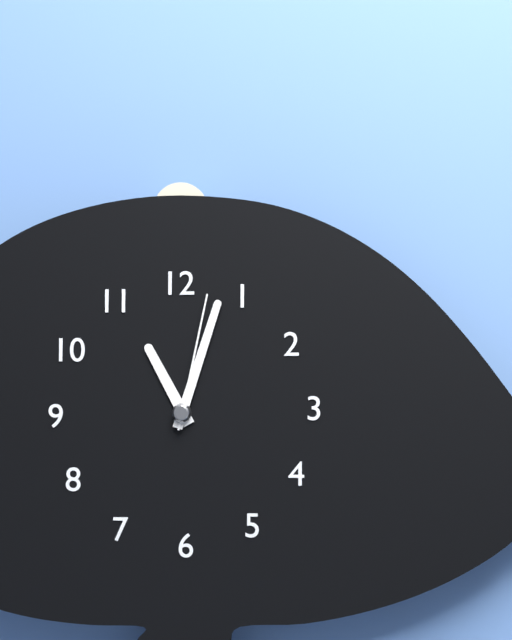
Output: **11:03:02**
